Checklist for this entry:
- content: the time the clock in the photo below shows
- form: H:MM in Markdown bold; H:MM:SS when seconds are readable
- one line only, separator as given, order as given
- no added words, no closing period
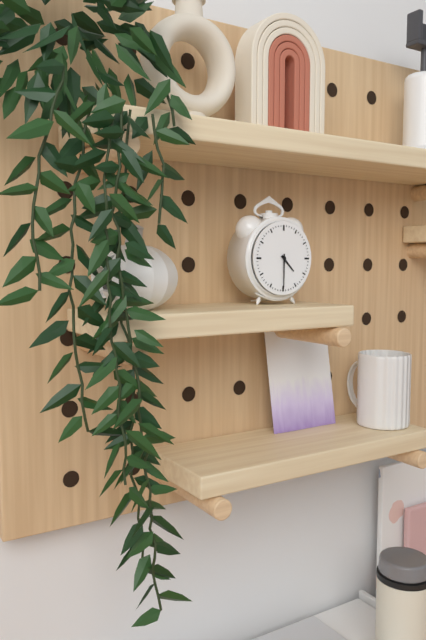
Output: **4:30**
